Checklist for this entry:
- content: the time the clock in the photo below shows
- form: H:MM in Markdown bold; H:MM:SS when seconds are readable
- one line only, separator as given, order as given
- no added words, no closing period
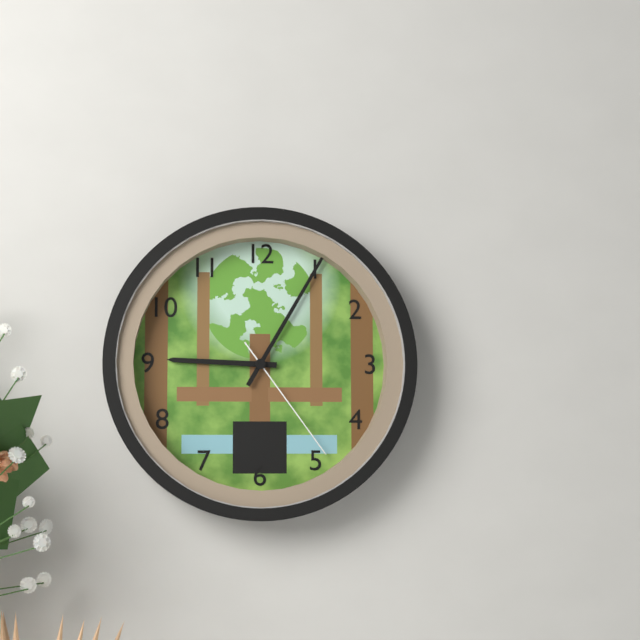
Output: **9:05:24**
